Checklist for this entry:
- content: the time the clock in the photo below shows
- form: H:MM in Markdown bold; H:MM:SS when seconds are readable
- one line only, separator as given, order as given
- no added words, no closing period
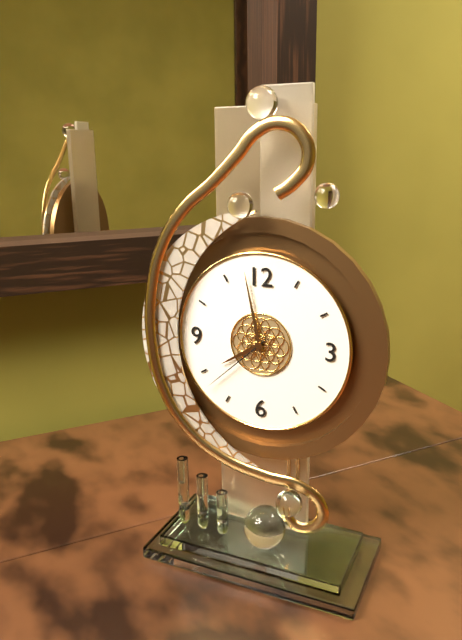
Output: **7:58:38**
